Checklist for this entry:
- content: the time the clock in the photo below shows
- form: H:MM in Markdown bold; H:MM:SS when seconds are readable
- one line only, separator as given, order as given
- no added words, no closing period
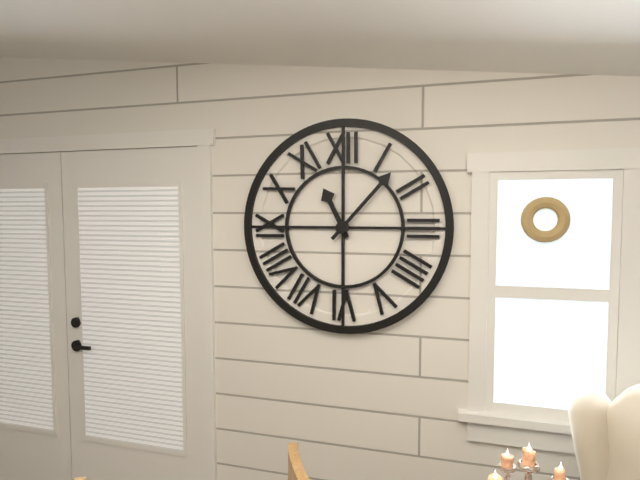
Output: **11:07**
